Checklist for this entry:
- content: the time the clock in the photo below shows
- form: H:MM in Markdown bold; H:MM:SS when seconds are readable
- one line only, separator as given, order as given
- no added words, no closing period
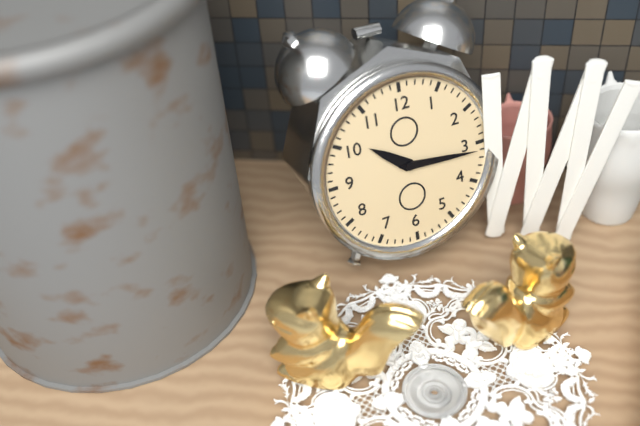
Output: **10:16**
